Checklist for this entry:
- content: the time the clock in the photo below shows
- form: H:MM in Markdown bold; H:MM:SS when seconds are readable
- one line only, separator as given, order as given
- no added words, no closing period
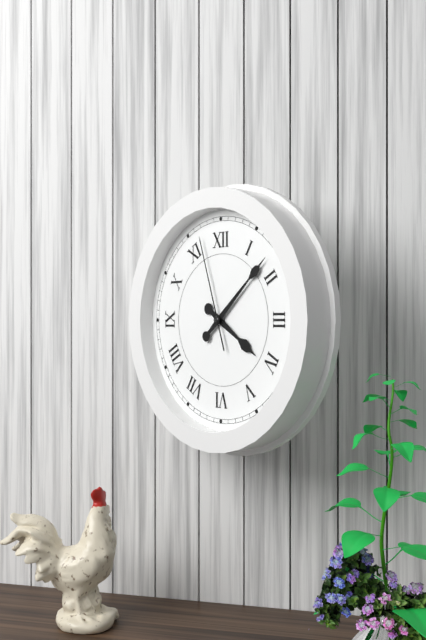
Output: **4:08:57**
